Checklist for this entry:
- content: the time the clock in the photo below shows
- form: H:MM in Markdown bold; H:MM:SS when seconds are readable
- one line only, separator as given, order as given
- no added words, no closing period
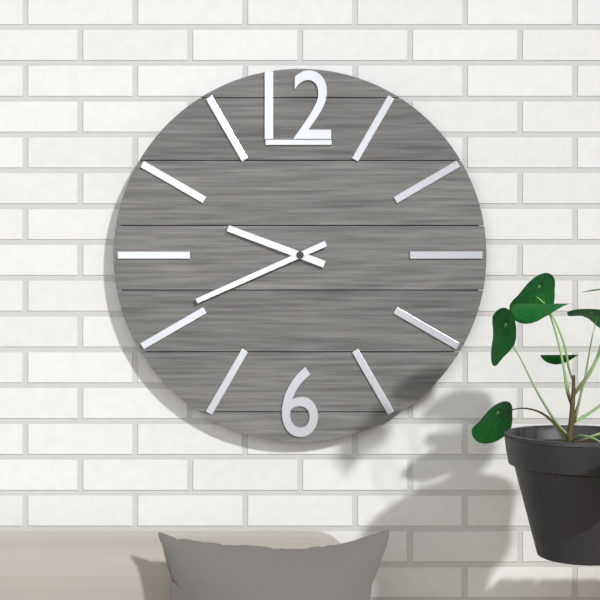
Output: **9:41**
